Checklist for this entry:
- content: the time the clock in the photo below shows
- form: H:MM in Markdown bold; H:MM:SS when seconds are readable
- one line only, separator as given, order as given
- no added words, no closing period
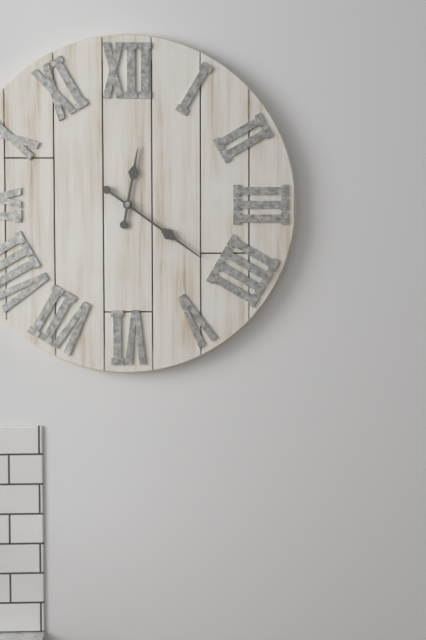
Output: **12:21**
